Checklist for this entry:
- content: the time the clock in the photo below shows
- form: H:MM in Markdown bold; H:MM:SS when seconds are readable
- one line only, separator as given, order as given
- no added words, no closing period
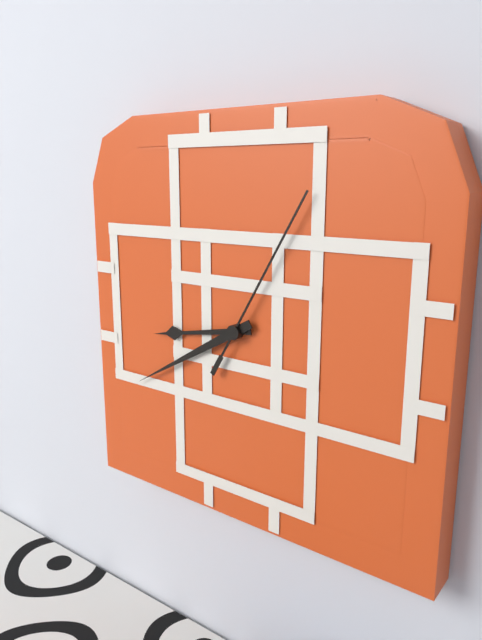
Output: **8:40:05**
